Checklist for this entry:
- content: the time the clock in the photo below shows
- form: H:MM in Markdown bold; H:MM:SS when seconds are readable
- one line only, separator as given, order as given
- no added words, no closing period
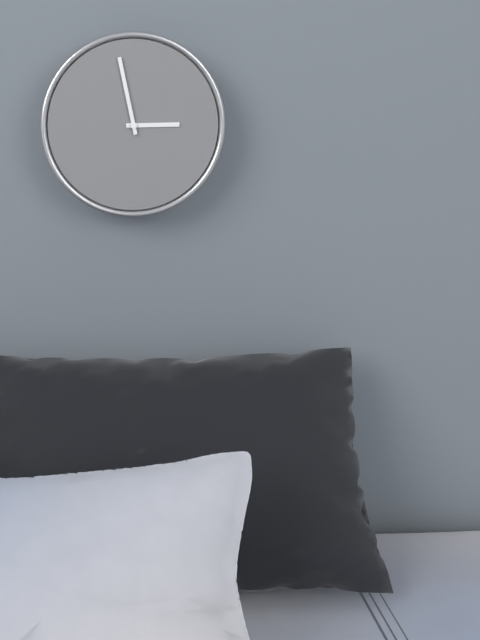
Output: **2:58**
